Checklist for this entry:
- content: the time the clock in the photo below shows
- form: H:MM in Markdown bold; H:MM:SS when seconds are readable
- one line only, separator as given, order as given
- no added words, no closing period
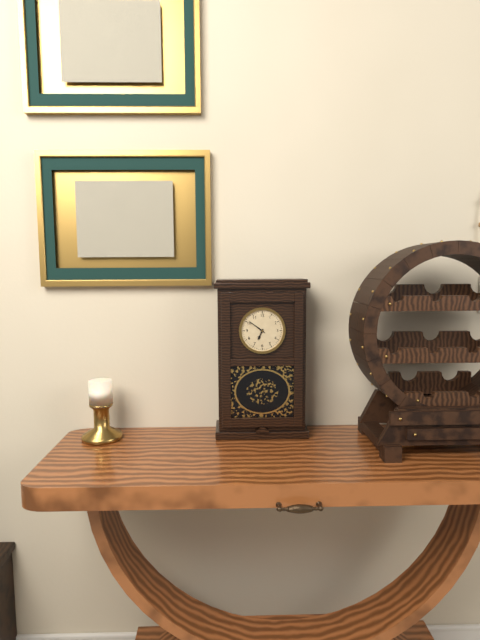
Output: **6:51**
